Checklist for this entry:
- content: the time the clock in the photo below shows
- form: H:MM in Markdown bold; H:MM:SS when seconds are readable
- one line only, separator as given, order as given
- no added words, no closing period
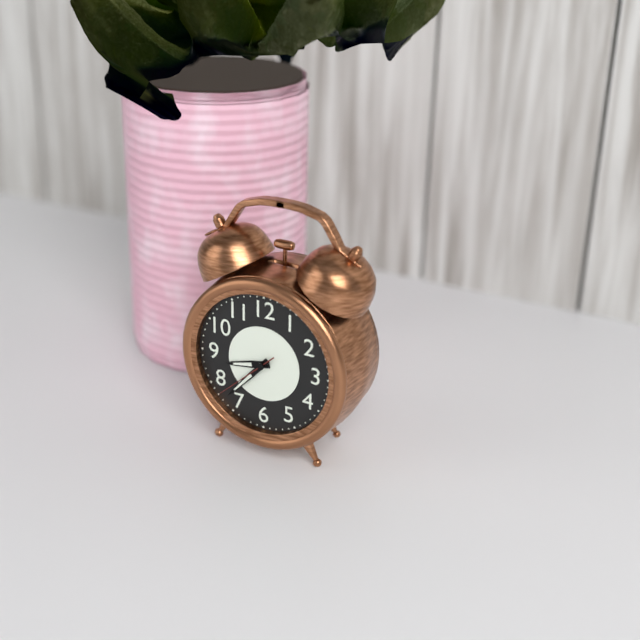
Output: **8:37:38**
